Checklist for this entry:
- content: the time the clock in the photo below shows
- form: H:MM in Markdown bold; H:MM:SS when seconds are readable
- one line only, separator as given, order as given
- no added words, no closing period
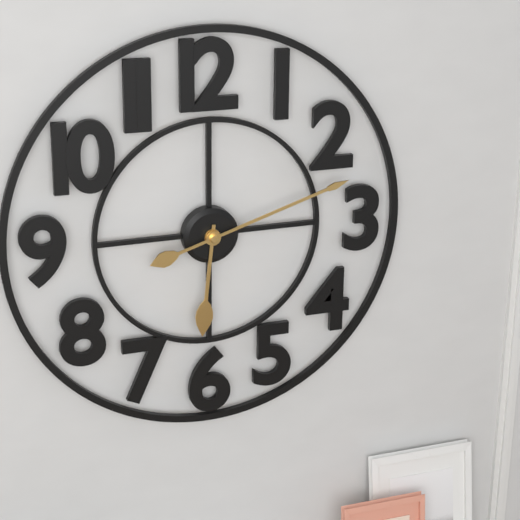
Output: **6:12**
